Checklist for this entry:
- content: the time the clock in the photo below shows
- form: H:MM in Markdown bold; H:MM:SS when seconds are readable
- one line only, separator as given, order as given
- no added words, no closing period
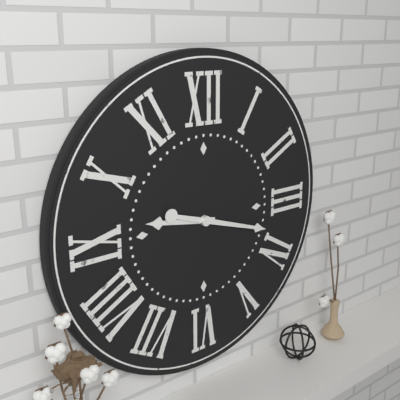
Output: **9:18**
